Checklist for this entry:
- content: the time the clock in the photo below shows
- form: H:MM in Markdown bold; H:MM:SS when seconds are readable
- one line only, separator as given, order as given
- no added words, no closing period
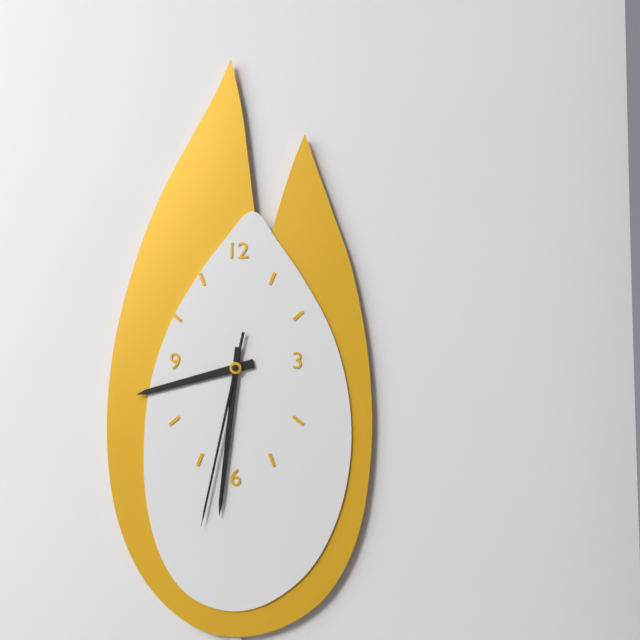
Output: **8:31:32**
